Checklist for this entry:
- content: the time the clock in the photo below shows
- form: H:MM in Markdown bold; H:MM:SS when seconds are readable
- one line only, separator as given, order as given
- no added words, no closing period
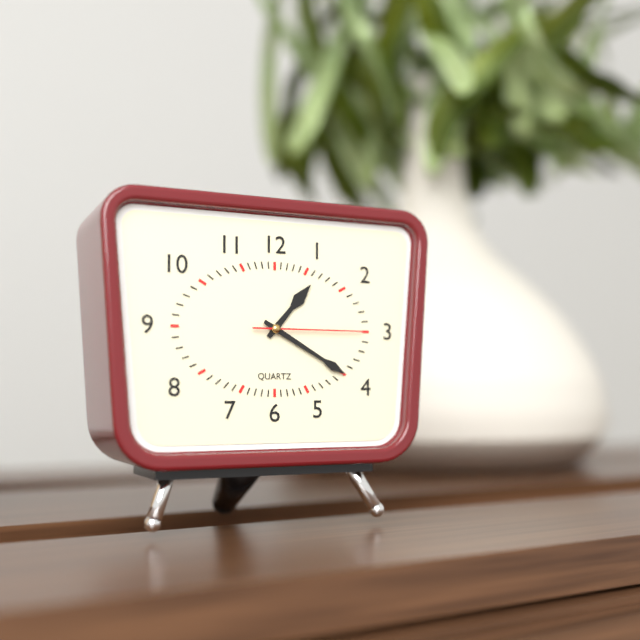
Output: **1:20:15**
